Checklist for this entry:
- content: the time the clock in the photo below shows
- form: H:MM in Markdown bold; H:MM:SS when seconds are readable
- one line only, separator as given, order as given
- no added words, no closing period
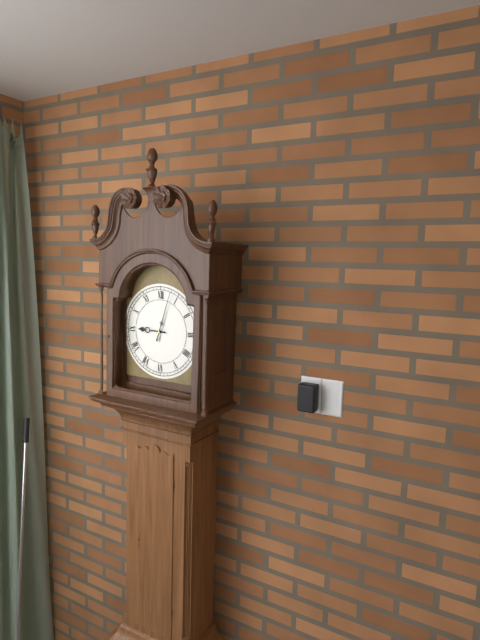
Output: **9:03**
